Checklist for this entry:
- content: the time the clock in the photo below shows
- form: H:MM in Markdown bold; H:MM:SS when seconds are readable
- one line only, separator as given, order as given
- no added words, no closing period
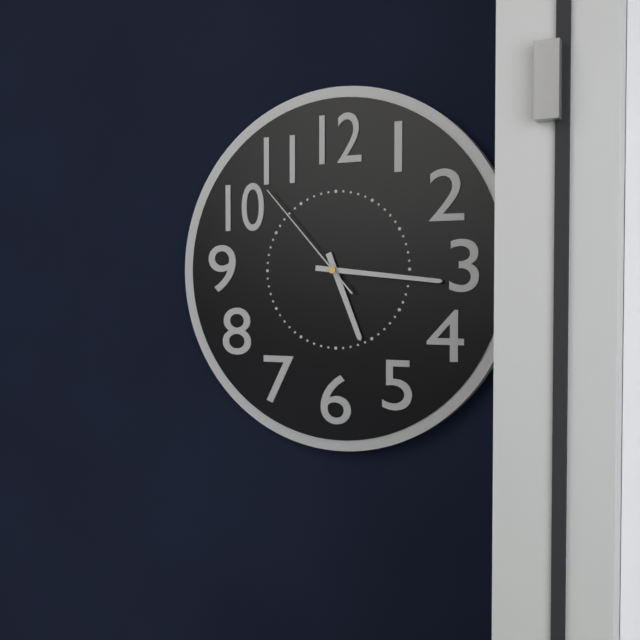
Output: **5:16:53**
